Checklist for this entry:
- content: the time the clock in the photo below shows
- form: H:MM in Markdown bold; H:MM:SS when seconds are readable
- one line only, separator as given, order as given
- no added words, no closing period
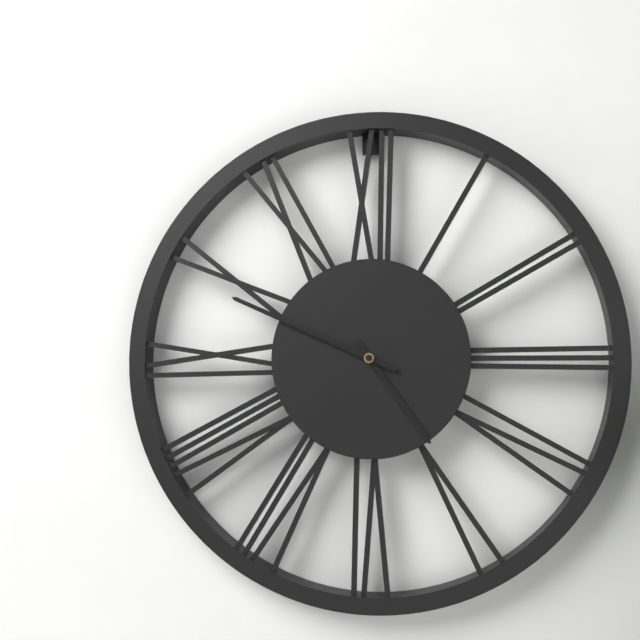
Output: **4:49**
